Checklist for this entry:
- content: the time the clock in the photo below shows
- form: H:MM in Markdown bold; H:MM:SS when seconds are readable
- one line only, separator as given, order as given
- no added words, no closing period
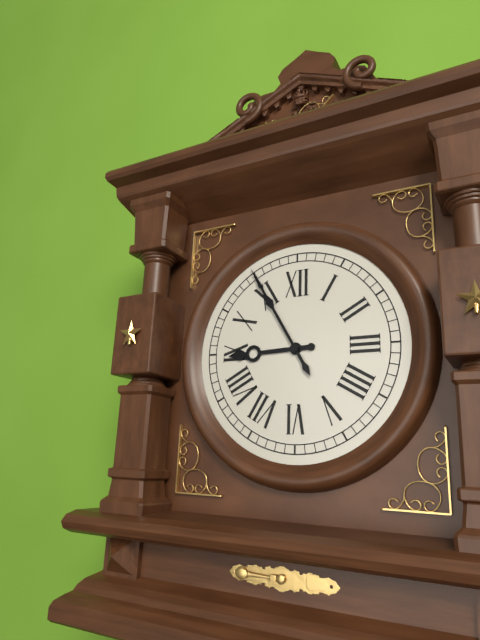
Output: **8:55**
